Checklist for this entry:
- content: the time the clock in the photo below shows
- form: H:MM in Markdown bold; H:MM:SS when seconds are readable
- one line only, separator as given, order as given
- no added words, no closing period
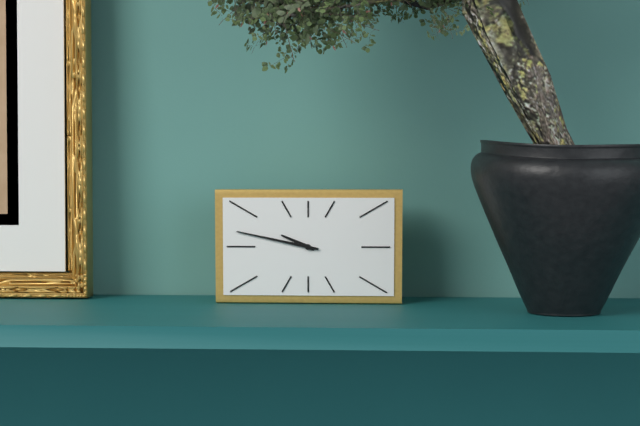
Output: **9:47**
